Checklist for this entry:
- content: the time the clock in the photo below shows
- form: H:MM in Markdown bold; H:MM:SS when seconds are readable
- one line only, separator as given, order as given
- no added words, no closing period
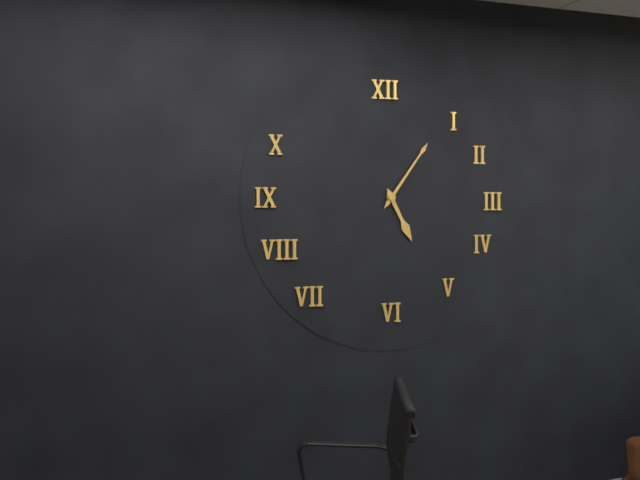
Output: **5:06**
